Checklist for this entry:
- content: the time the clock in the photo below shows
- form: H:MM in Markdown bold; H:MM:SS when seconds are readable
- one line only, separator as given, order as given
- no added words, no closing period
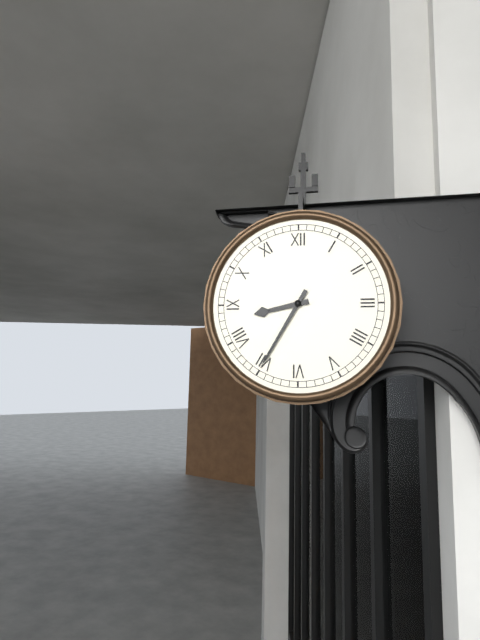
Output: **8:35**
